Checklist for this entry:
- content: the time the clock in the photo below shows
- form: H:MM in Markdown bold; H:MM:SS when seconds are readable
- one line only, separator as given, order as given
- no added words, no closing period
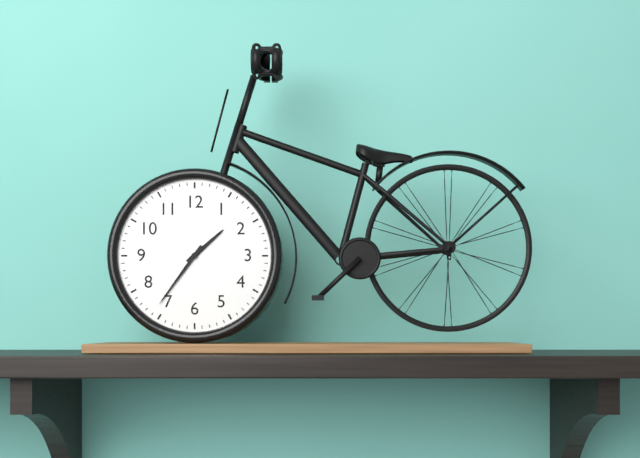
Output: **1:36**
